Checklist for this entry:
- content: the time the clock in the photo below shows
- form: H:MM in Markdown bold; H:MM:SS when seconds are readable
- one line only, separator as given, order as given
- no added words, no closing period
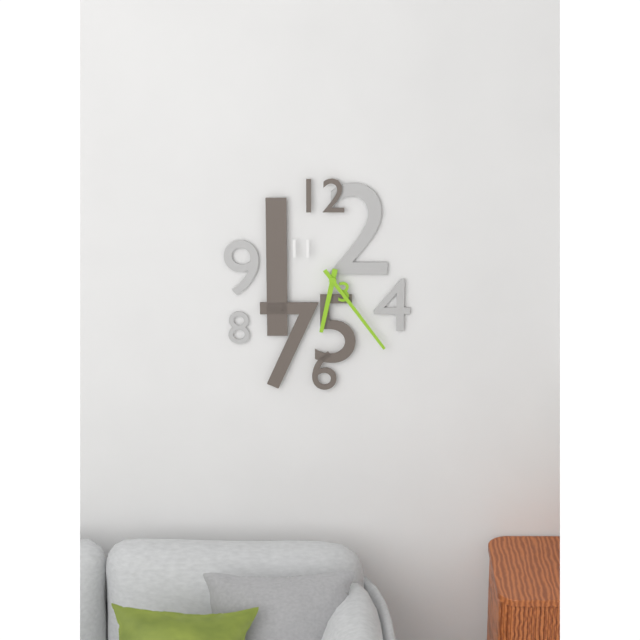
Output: **6:24**
